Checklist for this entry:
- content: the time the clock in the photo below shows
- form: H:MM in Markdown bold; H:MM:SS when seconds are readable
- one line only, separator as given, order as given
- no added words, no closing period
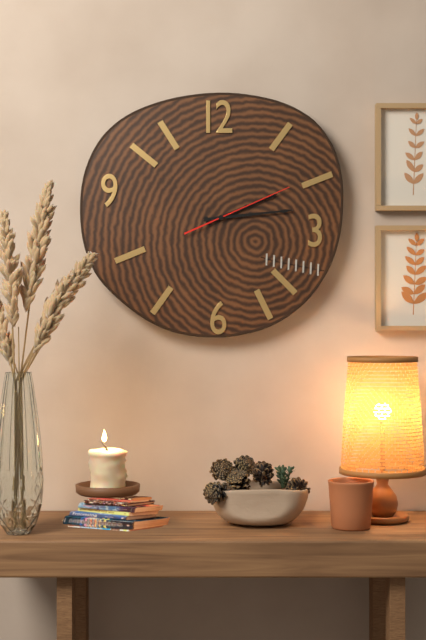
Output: **2:14:11**
